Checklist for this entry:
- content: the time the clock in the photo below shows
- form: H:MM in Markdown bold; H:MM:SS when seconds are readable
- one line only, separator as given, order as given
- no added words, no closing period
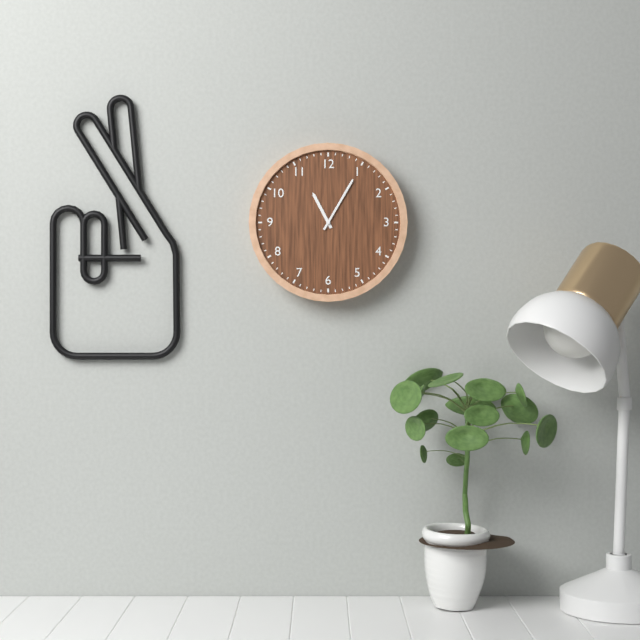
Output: **11:05**
